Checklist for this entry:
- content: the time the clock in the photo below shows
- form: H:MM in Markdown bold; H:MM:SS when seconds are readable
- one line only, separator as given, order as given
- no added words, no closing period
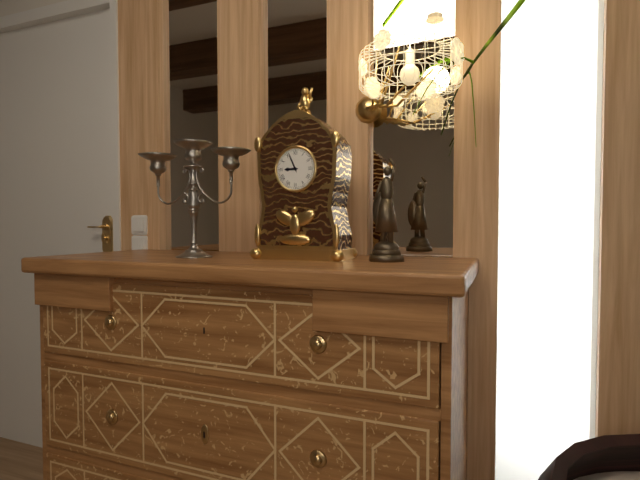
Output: **8:56**
